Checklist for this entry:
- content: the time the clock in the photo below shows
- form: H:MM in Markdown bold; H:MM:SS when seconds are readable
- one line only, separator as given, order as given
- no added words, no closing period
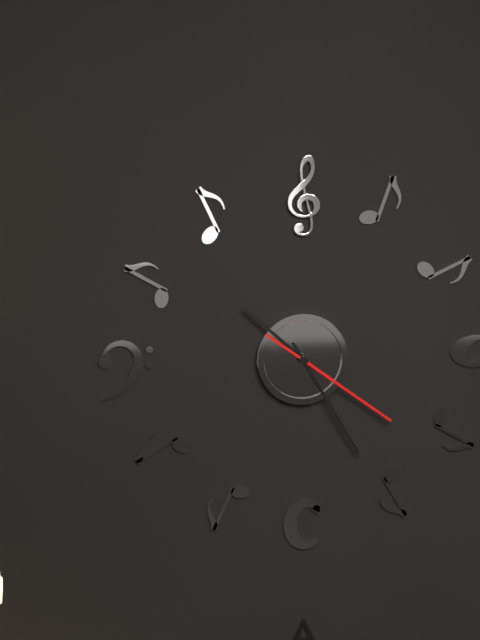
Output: **10:25:21**
